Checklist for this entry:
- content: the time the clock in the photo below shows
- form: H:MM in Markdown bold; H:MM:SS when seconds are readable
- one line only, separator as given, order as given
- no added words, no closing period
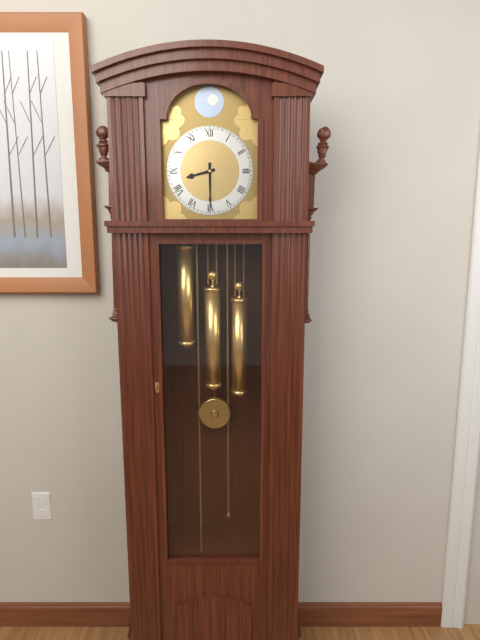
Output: **8:30**
